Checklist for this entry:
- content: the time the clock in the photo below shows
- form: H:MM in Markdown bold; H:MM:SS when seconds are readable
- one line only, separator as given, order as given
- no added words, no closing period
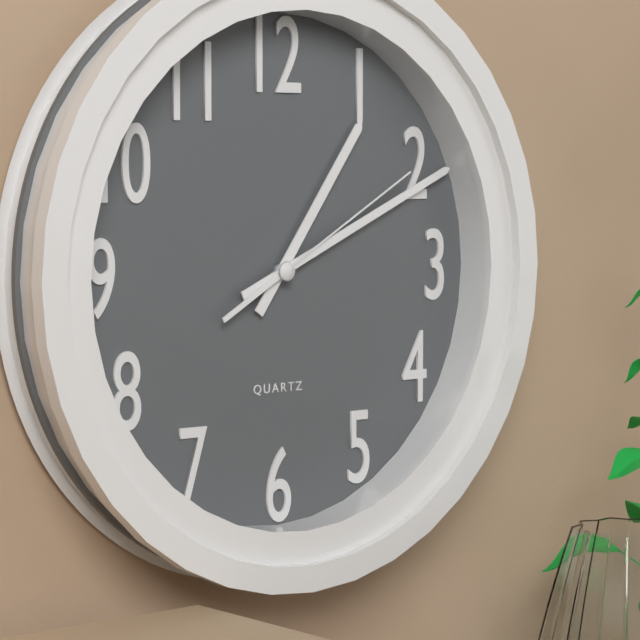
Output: **1:11:10**
